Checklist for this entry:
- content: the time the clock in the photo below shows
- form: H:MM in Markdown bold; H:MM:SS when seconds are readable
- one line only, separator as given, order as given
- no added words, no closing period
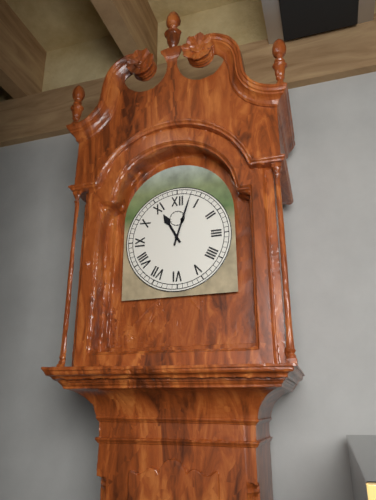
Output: **11:03**
